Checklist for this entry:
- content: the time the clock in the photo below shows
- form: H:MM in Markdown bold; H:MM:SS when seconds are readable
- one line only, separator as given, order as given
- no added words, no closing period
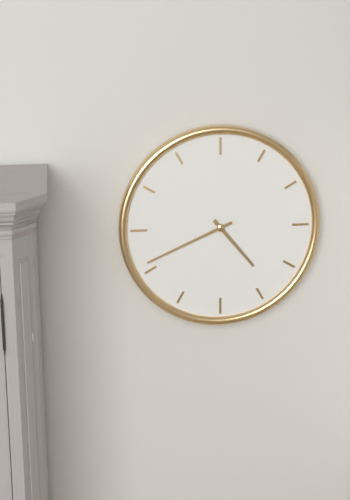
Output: **4:41**
